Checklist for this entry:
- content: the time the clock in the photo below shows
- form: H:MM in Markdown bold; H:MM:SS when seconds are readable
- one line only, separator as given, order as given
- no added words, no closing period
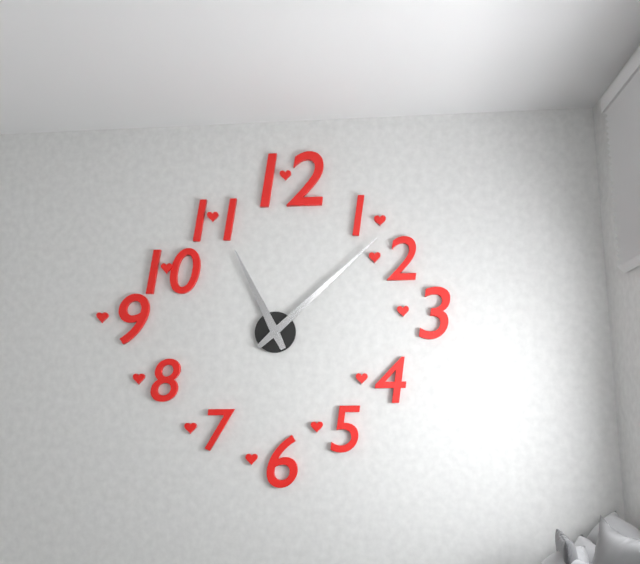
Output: **11:08**
